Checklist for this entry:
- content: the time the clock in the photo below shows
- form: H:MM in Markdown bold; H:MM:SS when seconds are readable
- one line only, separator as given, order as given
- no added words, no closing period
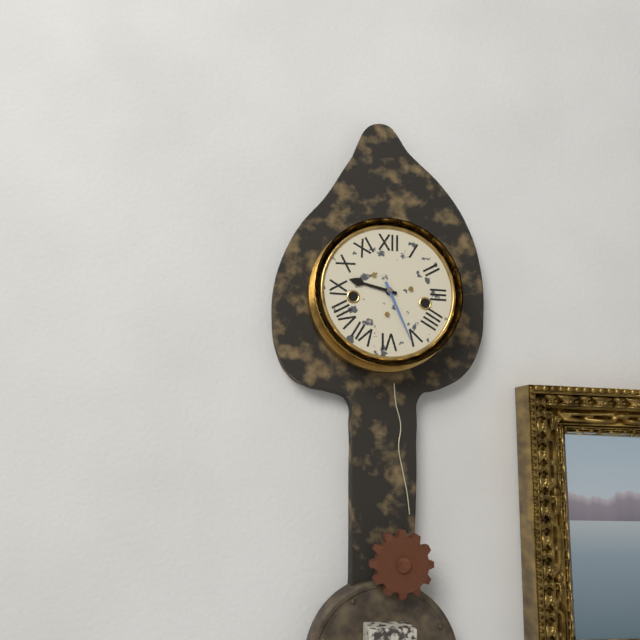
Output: **9:26**
